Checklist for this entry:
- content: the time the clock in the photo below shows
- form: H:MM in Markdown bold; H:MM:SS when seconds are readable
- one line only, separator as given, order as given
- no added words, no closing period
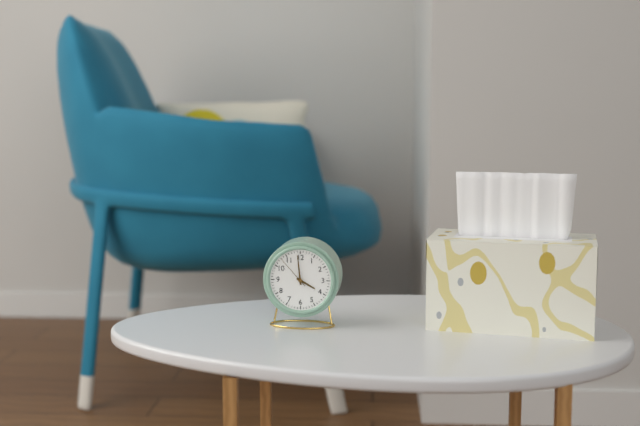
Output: **3:59**
